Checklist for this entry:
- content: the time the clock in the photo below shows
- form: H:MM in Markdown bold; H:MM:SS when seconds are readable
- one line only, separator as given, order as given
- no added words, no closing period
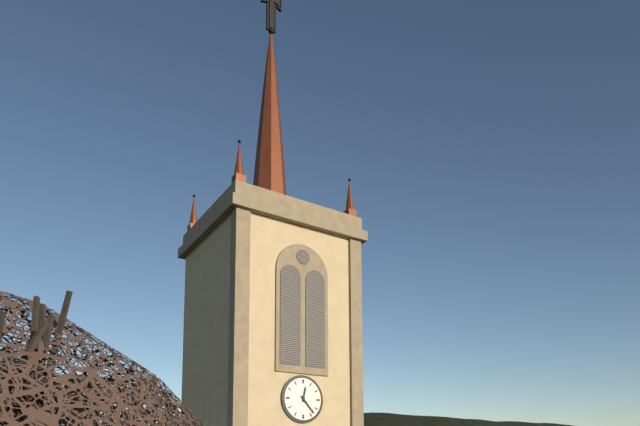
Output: **12:23**
